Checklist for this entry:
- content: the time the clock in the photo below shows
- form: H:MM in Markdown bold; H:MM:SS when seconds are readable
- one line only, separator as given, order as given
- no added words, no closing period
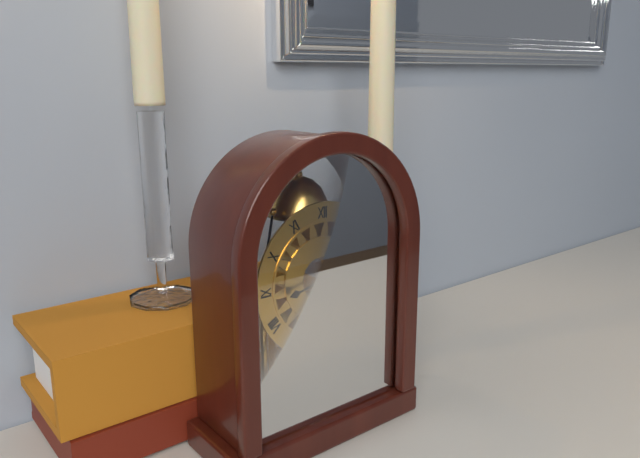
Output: **8:35**
